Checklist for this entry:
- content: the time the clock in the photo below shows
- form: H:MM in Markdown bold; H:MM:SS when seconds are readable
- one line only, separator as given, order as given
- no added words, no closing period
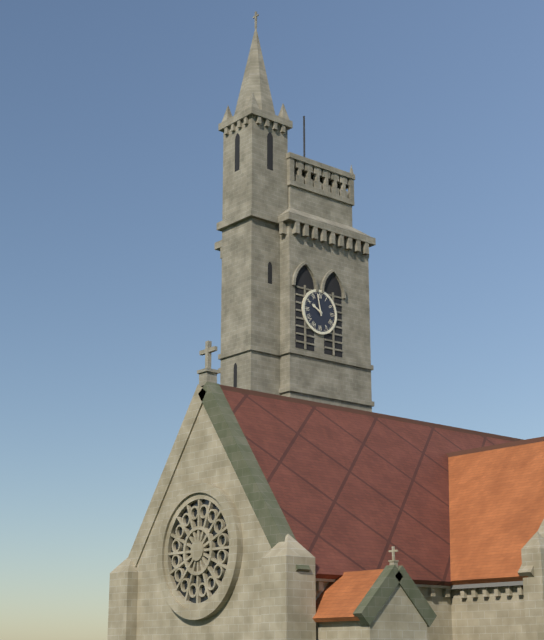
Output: **9:58**
